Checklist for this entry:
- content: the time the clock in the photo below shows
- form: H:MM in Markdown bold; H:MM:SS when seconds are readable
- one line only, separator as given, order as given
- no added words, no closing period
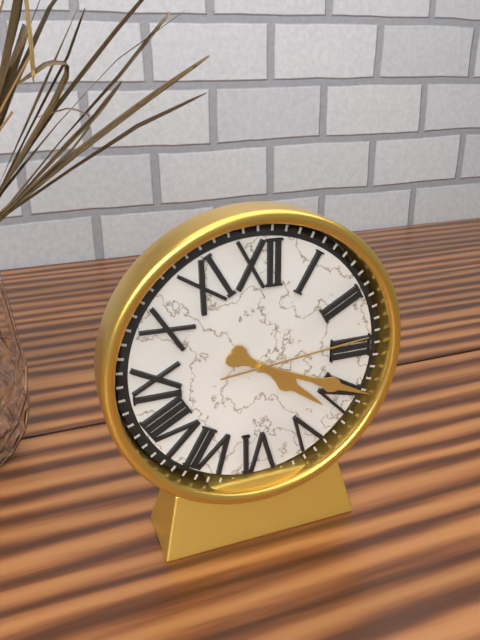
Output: **4:19:14**
